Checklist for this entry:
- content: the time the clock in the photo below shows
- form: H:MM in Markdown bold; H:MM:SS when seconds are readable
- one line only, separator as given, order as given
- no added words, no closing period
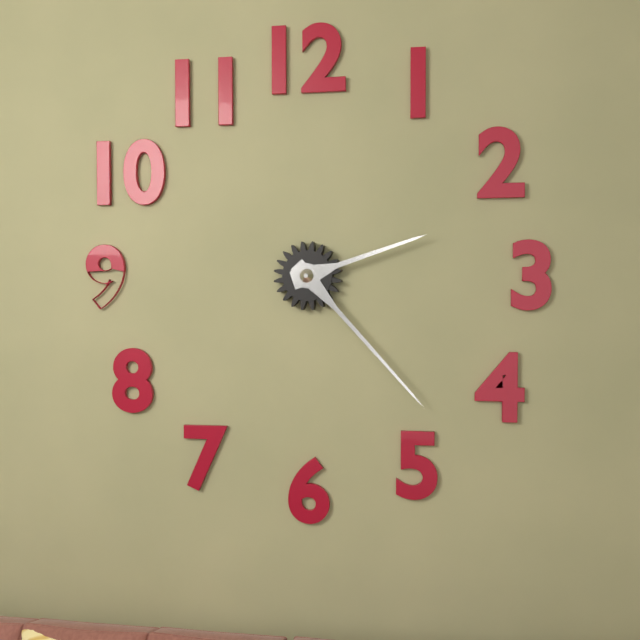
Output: **2:23**
